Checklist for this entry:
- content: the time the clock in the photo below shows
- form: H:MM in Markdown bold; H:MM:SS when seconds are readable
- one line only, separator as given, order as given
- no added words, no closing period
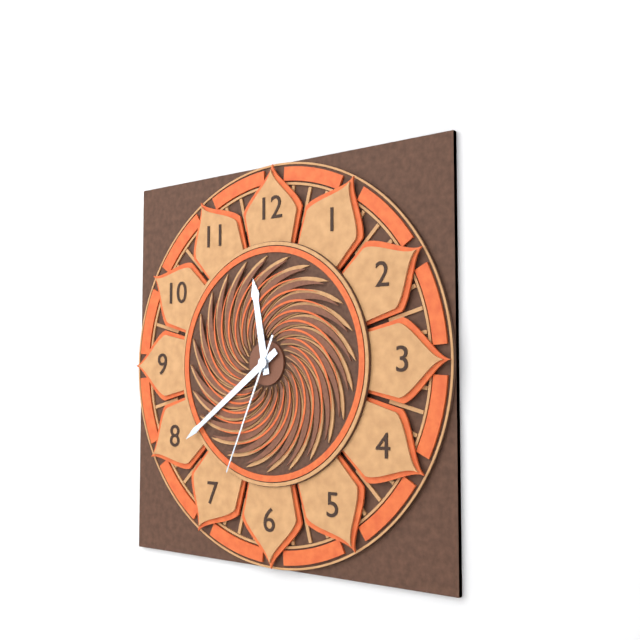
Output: **11:39:34**
